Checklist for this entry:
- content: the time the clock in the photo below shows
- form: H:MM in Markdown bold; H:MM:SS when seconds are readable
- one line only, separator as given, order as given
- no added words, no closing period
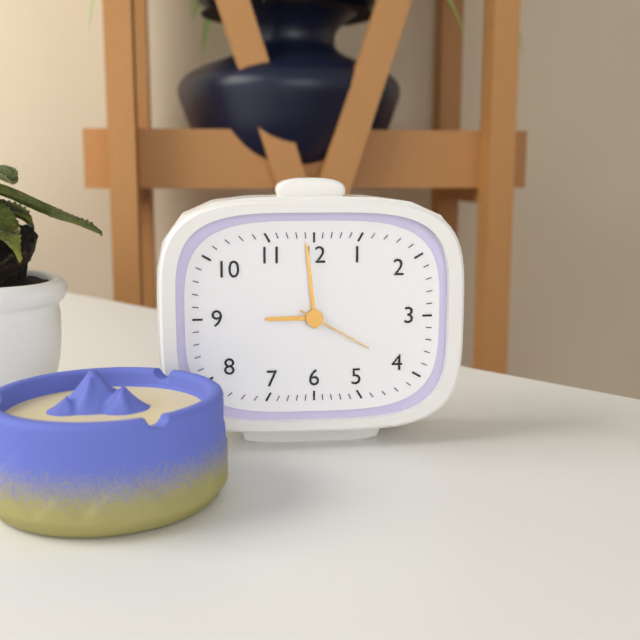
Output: **8:59:20**
